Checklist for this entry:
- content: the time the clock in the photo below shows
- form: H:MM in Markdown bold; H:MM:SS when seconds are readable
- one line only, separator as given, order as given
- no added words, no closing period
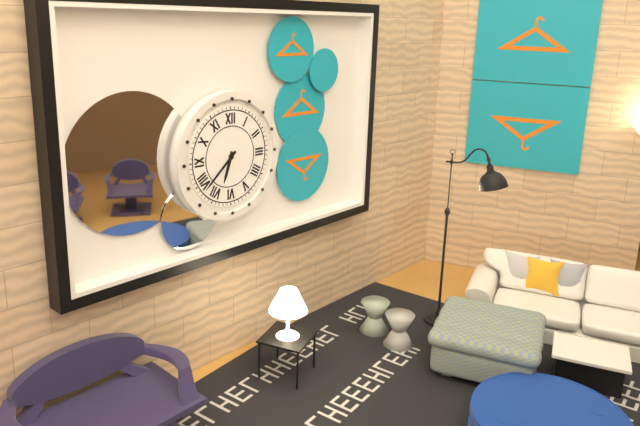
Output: **6:38**
